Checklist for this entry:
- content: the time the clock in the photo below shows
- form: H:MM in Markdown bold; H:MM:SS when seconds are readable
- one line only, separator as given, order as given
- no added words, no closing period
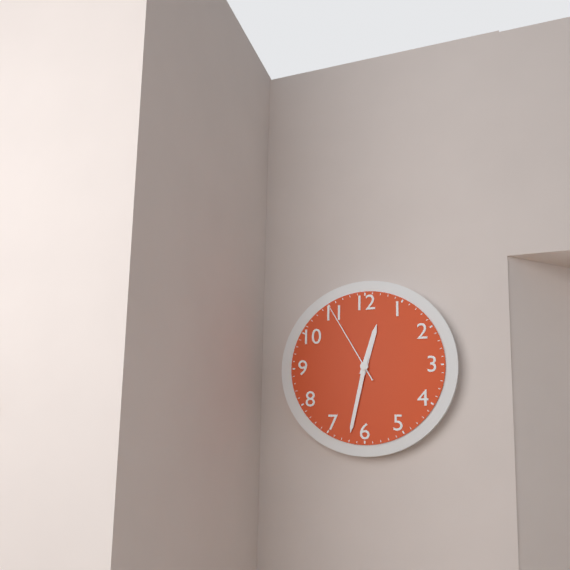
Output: **12:32:55**
